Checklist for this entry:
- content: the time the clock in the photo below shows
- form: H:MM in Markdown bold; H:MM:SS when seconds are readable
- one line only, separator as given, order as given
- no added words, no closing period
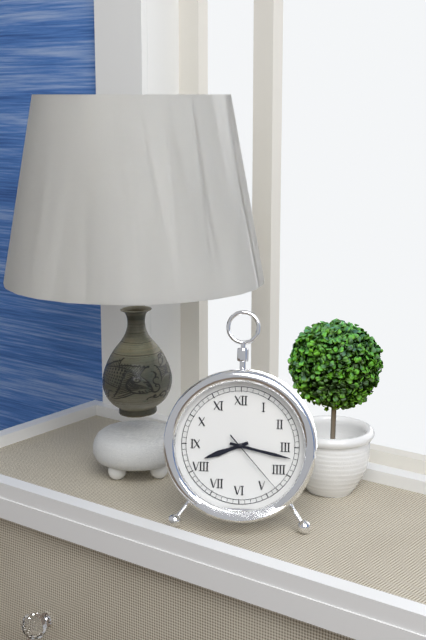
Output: **8:17:23**
